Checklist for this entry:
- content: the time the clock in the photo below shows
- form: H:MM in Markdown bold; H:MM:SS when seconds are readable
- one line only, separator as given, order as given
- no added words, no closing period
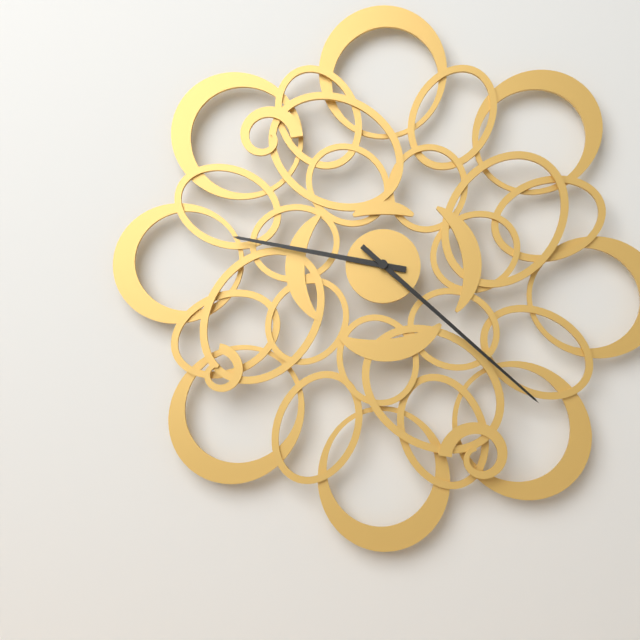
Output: **9:22**
